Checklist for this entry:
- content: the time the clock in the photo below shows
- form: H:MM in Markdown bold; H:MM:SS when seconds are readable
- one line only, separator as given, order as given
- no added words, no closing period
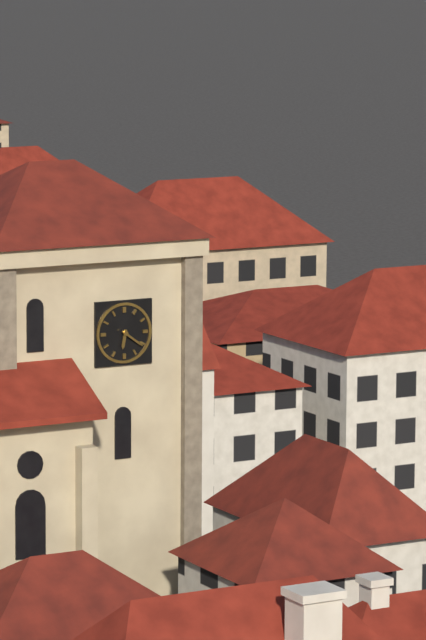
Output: **6:21**
